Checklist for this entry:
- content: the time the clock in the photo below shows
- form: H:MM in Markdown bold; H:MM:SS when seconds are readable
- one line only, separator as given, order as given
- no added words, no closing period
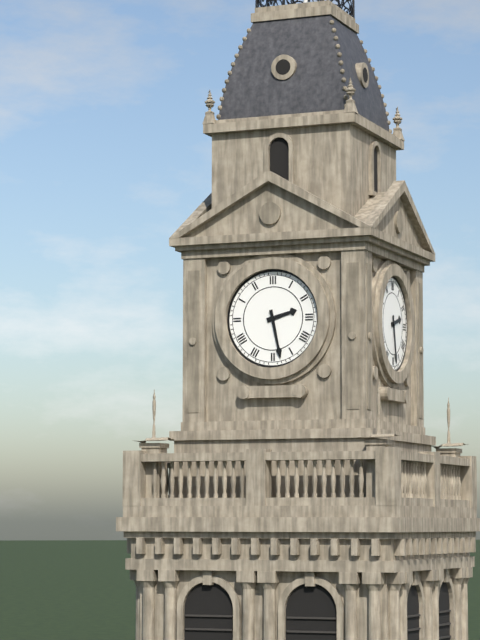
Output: **2:28**
